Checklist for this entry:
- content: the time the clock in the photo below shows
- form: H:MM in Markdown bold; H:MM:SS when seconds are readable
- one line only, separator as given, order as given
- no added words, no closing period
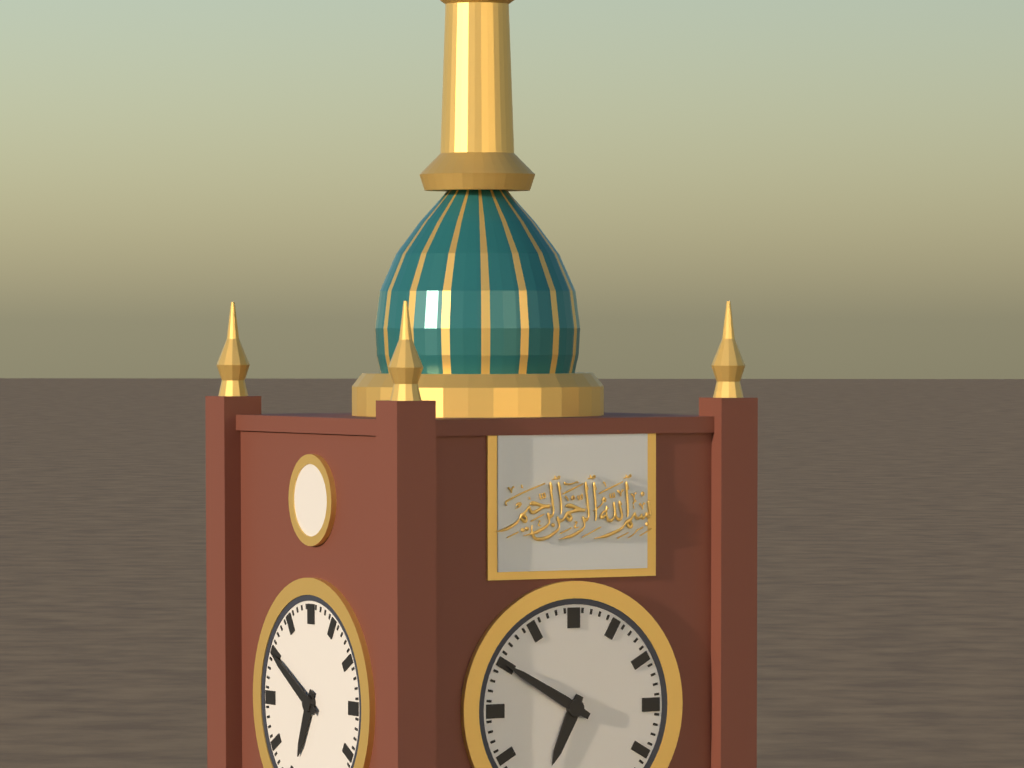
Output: **6:50**
